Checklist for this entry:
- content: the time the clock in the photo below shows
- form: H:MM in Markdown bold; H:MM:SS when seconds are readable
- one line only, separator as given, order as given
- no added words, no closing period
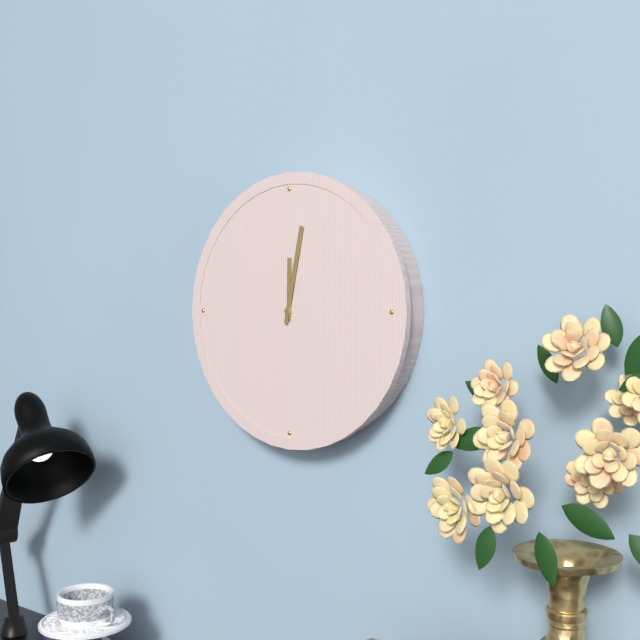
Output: **12:02**
